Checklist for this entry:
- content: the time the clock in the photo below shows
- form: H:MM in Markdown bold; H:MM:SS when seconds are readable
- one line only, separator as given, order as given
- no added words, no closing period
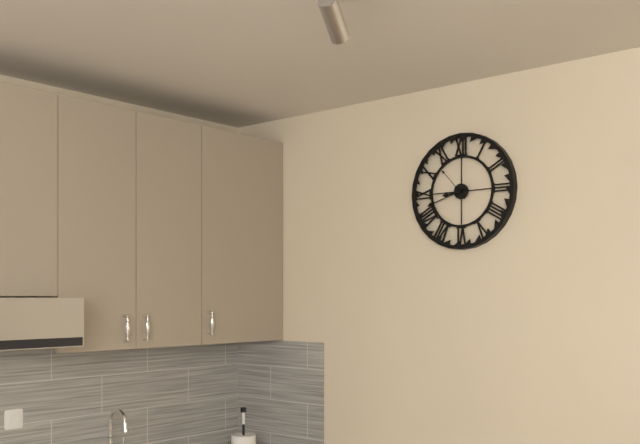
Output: **8:42**
